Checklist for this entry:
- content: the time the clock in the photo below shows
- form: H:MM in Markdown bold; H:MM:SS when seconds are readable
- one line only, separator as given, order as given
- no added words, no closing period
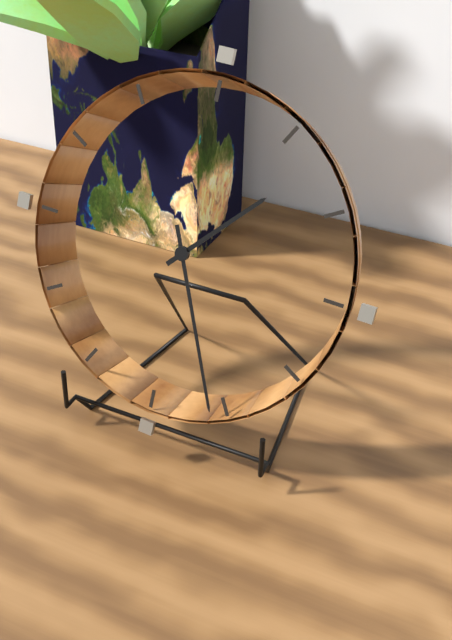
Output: **1:26**
